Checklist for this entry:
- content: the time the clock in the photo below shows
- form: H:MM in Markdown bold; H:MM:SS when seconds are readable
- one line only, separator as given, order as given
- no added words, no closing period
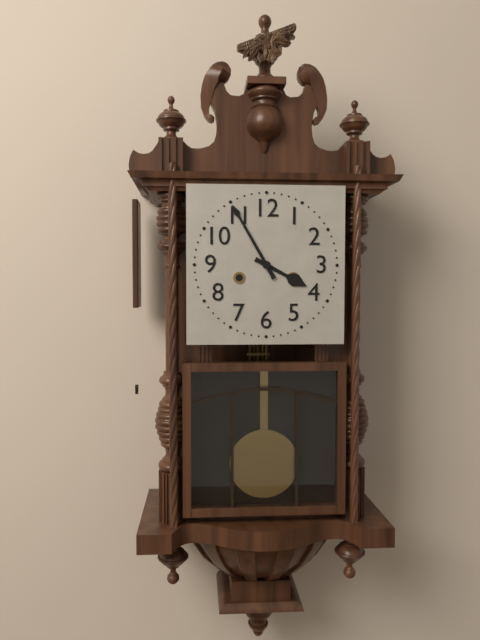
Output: **3:55**
